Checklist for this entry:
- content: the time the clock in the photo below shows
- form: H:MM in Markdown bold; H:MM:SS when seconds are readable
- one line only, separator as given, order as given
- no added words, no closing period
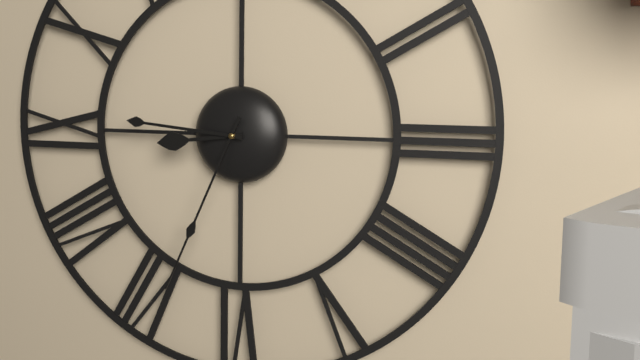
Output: **8:46:34**
